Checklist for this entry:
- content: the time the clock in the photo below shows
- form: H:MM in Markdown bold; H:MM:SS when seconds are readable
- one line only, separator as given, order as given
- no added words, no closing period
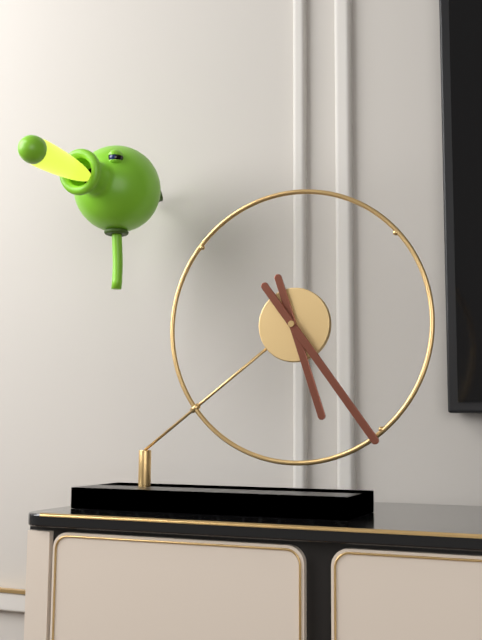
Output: **5:24**
